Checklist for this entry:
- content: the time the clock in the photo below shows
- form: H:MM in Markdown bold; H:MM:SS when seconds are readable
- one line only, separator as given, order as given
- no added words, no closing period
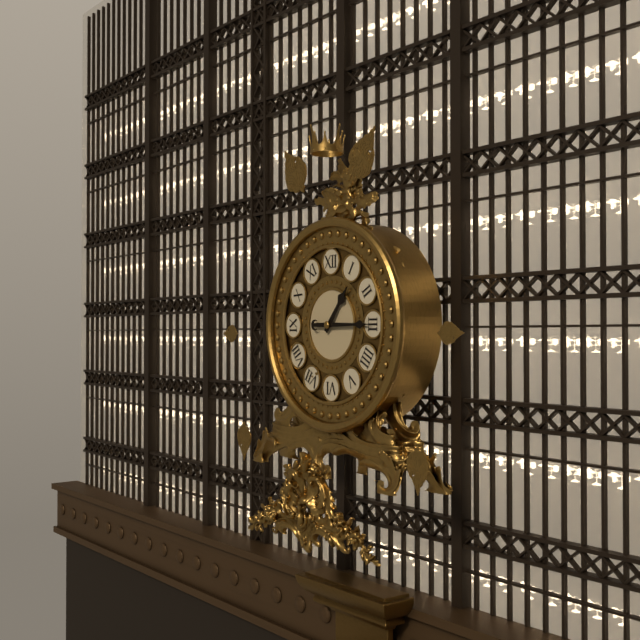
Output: **1:15**
